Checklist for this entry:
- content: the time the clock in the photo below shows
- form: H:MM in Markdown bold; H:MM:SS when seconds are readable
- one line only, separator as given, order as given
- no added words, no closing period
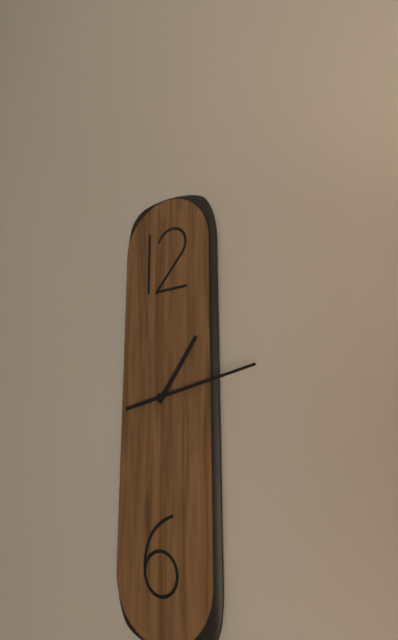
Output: **1:13**
